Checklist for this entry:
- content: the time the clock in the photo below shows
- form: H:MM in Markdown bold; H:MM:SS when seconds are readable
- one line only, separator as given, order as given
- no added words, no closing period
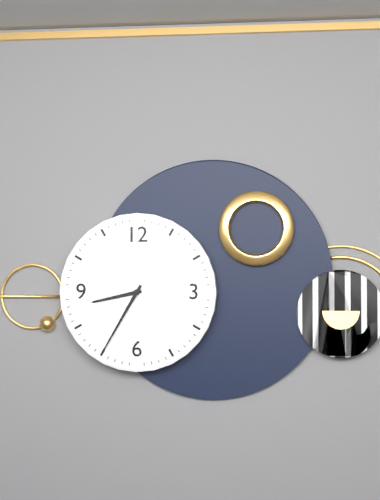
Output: **8:35**
